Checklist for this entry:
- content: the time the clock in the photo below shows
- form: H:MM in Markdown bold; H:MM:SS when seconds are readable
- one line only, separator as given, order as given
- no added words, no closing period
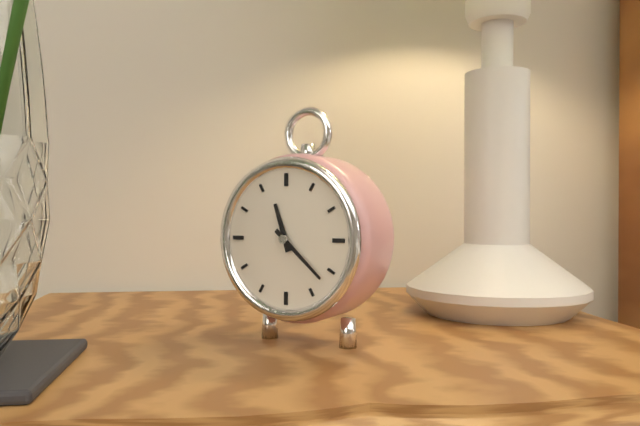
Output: **11:22**
